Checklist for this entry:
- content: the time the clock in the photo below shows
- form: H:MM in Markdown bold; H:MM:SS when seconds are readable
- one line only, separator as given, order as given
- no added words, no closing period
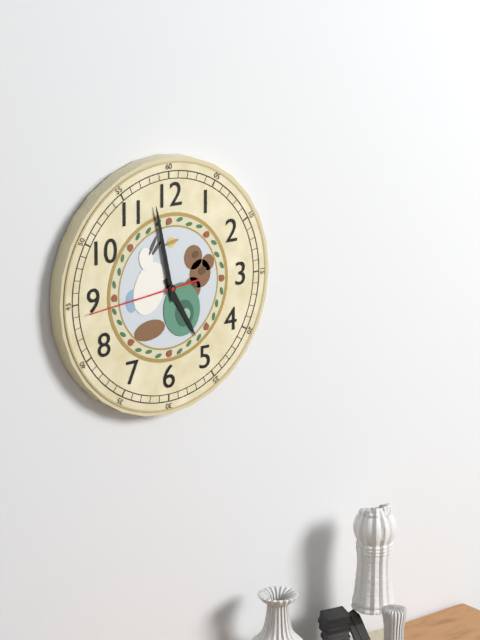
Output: **4:58:44**
